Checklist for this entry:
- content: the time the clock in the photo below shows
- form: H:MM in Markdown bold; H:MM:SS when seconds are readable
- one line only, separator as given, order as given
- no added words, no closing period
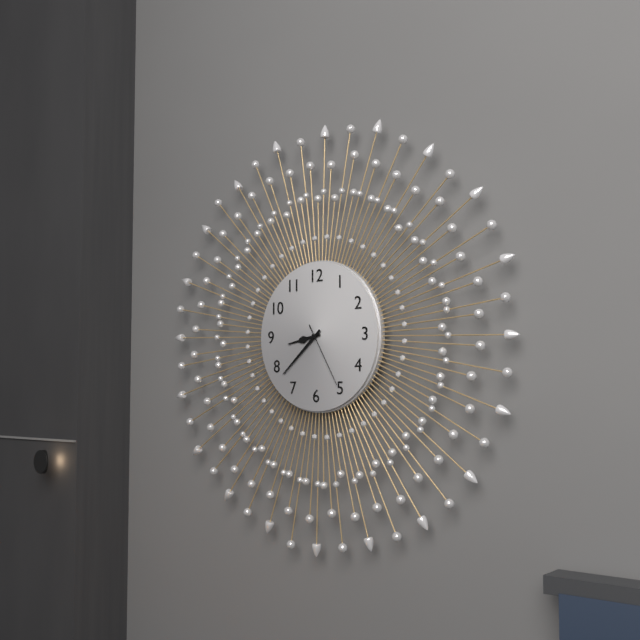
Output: **8:38:25**
